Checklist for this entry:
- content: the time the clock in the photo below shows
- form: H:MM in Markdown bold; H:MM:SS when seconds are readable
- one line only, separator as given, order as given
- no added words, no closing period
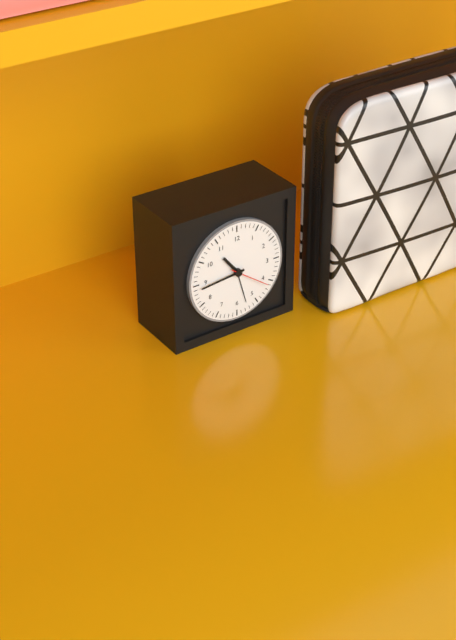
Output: **10:44**
